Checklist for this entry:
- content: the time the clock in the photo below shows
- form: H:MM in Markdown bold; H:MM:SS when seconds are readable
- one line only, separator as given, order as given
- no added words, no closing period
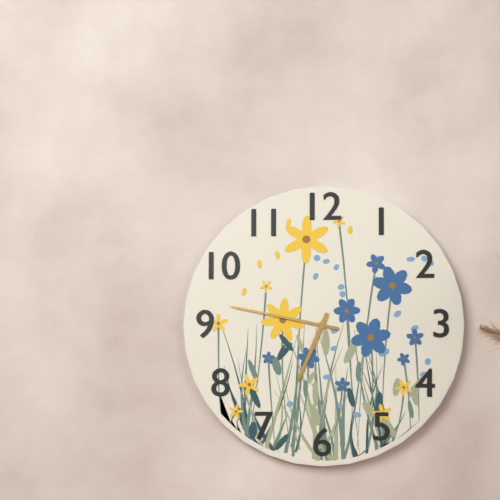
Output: **6:47**
